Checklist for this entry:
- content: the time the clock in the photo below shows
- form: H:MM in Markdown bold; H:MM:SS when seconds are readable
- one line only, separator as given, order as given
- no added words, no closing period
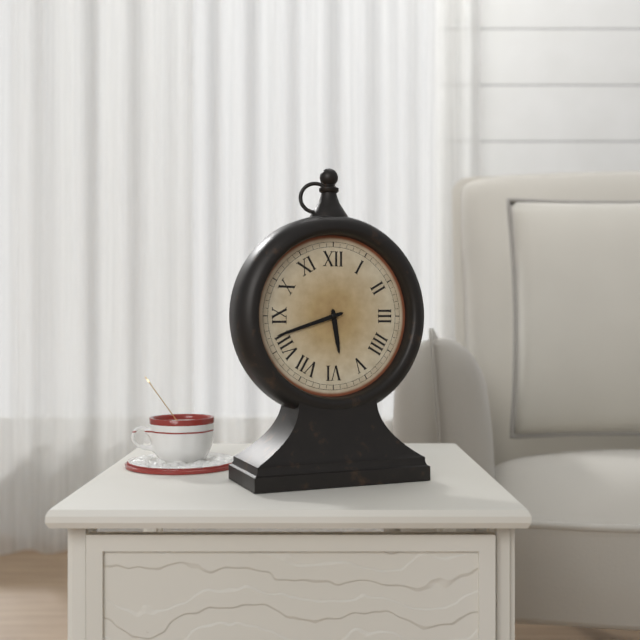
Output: **5:42**
